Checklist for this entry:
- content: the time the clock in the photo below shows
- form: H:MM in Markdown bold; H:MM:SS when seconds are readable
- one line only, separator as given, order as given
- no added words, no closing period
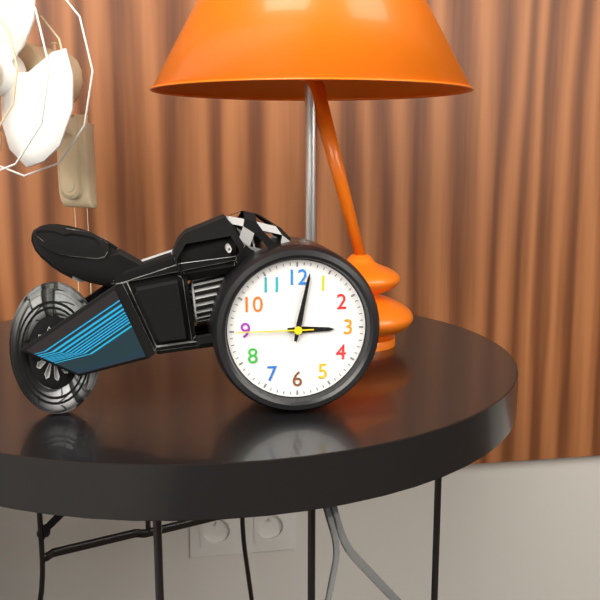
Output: **3:02:45**
